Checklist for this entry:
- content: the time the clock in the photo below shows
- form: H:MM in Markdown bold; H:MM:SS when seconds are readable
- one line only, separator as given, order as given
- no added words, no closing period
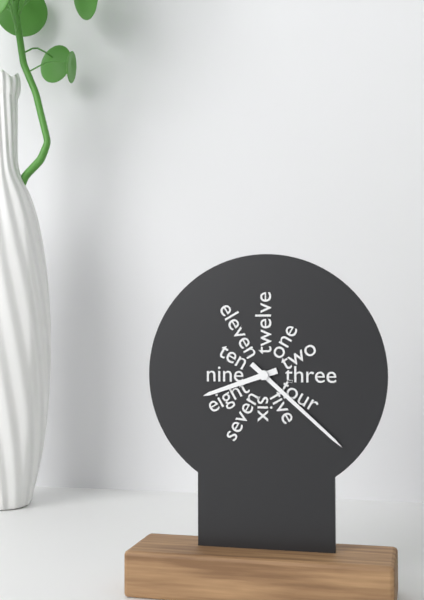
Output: **8:22**
